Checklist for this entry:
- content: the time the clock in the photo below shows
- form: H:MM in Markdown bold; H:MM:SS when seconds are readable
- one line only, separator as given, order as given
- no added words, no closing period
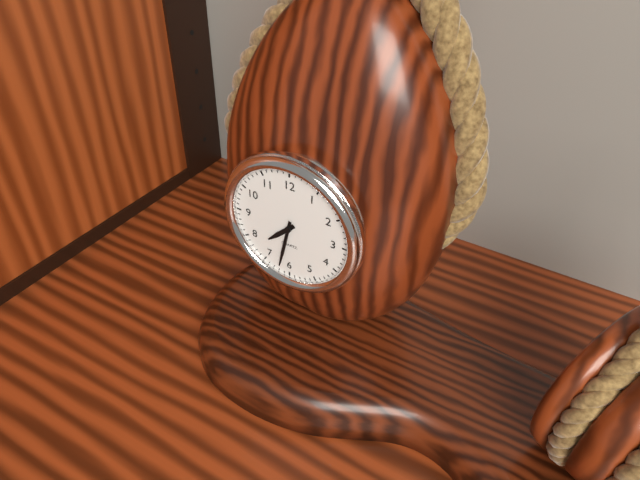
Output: **7:32**
